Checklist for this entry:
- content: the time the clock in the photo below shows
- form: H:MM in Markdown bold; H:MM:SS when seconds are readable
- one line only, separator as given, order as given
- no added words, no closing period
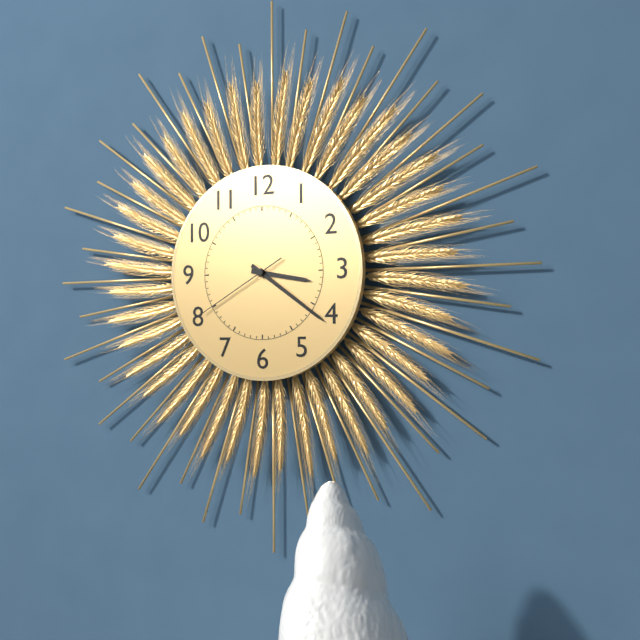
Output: **3:21:40**
